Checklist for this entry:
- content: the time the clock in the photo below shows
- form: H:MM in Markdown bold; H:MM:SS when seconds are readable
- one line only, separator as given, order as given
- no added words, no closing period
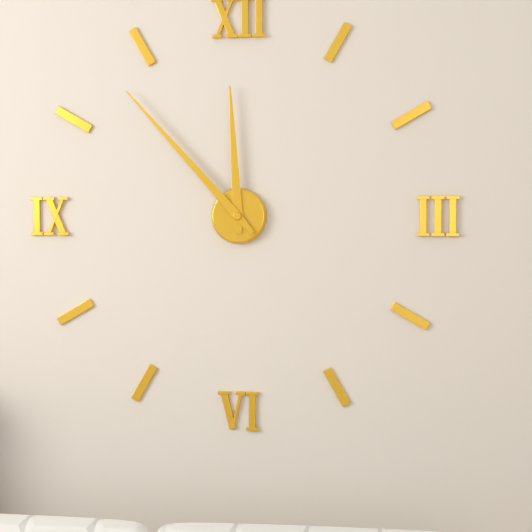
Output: **11:53**
